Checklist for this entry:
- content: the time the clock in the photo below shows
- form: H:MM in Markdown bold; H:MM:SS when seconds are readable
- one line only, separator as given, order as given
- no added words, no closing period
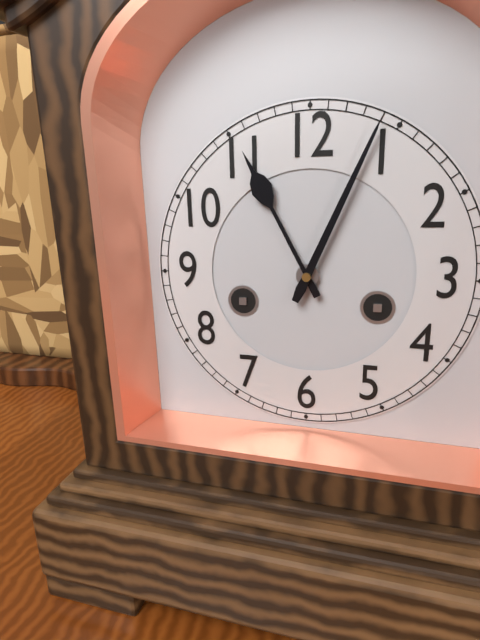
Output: **11:04**
